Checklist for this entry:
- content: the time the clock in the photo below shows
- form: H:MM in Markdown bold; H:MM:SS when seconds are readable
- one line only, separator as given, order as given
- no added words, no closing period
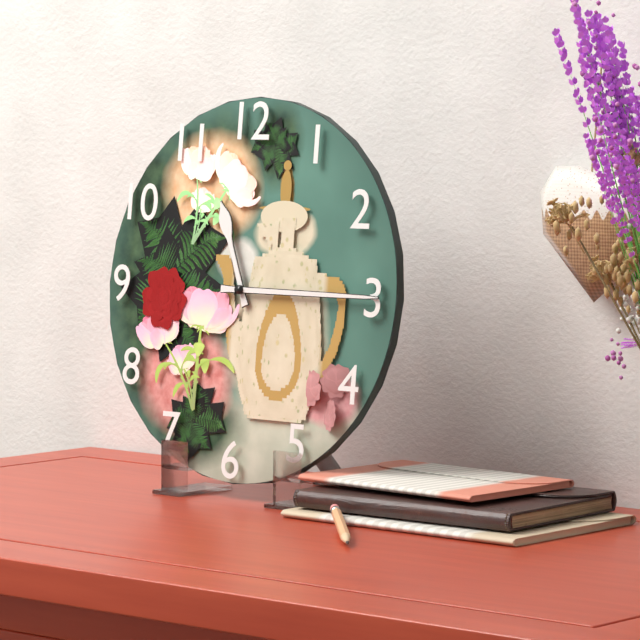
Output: **11:15**
